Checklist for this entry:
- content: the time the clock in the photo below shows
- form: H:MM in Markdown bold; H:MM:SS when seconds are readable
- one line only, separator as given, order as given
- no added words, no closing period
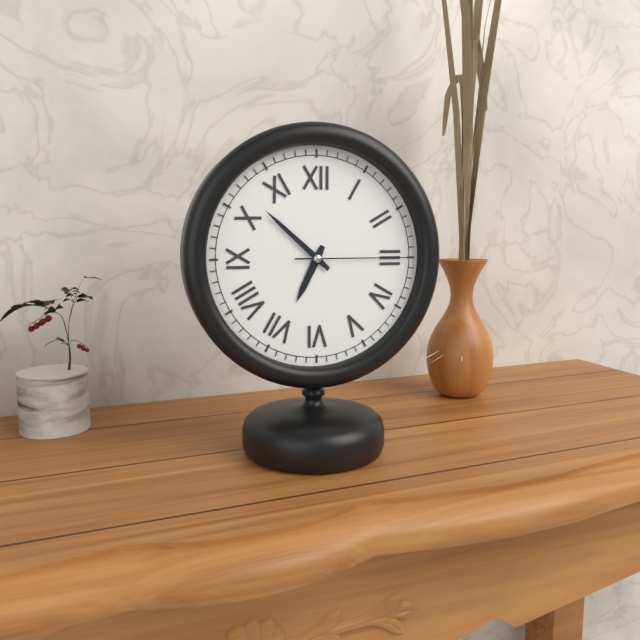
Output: **6:52:15**
